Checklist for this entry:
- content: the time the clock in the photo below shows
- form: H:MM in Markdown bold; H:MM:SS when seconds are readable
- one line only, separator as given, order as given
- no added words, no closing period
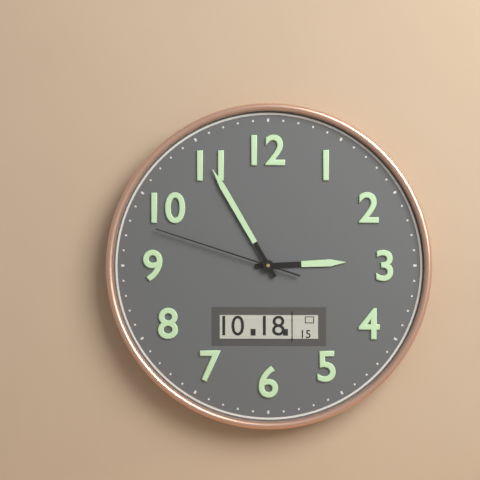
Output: **2:55:48**
